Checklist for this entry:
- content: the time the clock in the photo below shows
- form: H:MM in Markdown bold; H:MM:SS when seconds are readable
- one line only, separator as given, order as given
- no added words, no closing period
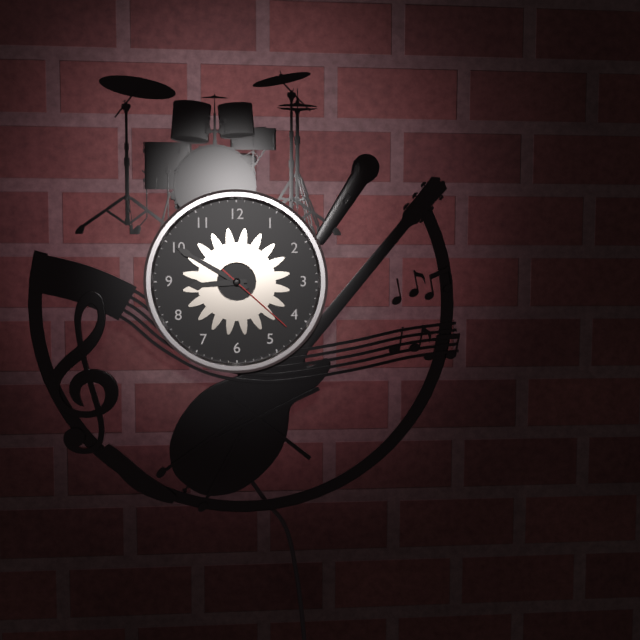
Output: **8:50:22**
